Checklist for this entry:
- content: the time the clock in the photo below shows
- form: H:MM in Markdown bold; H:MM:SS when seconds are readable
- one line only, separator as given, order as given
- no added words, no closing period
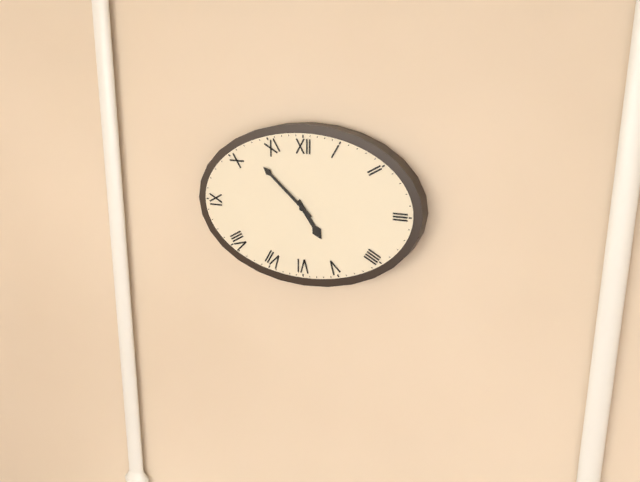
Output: **4:52**
